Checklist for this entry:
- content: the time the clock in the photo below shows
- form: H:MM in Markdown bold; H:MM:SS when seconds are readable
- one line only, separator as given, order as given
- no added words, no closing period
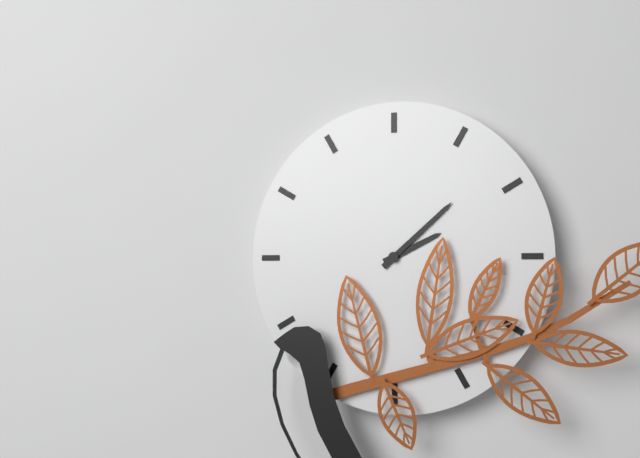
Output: **2:08**
